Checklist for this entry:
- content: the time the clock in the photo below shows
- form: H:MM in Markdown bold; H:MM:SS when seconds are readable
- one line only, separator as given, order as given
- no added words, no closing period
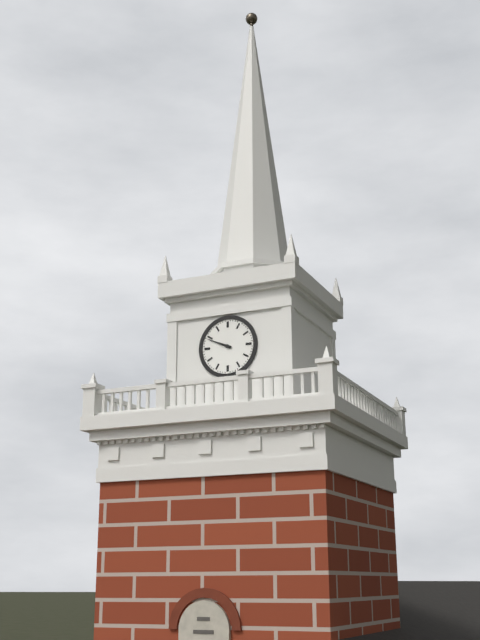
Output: **9:49**
